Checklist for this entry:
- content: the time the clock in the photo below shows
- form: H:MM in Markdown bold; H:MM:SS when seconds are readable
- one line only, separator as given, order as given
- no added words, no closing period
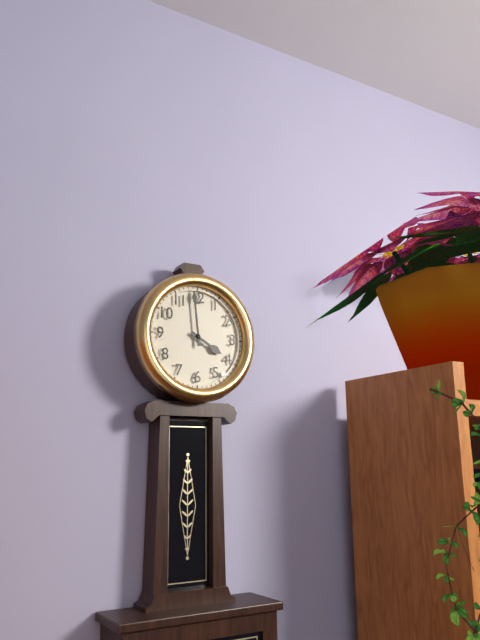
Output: **3:59**
